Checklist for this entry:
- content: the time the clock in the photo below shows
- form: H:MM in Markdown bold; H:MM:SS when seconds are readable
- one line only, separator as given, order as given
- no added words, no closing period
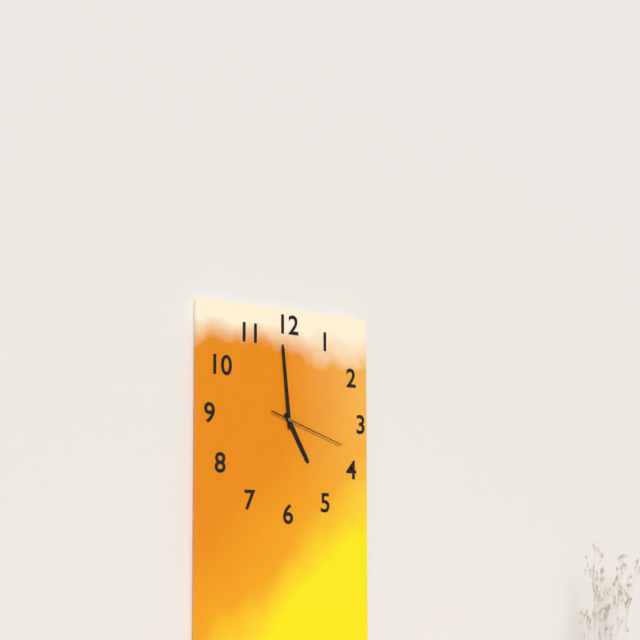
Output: **4:59:18**
